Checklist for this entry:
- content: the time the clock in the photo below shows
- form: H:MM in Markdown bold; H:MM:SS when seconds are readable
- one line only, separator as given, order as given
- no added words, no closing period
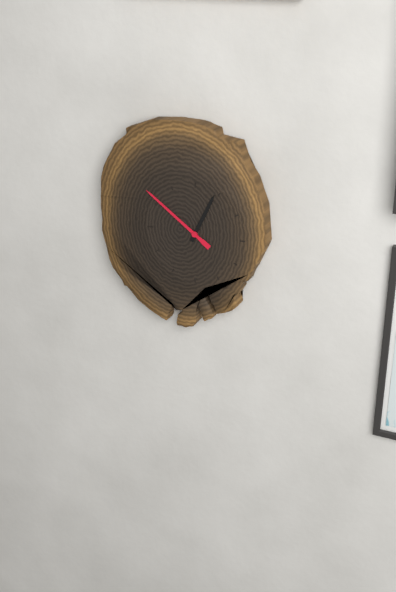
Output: **12:51**
